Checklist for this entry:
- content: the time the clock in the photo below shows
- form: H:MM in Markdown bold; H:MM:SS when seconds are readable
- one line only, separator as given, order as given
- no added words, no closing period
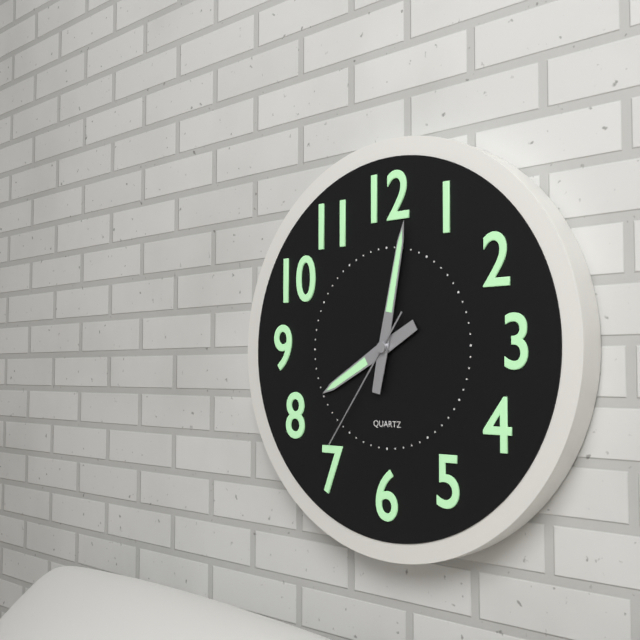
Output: **8:02:36**
